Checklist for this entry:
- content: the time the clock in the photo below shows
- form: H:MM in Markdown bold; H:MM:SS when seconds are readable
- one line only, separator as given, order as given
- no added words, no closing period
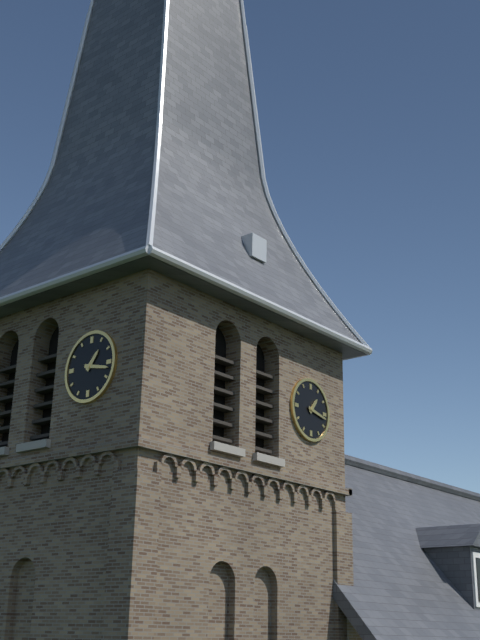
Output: **1:17**
